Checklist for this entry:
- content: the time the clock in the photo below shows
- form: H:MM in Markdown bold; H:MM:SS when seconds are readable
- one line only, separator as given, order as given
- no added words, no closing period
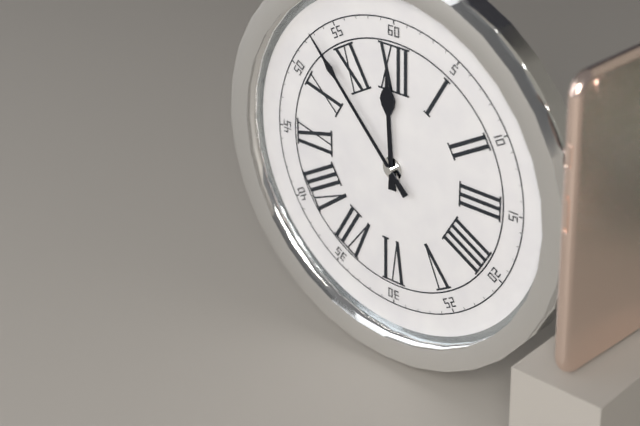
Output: **11:53**
